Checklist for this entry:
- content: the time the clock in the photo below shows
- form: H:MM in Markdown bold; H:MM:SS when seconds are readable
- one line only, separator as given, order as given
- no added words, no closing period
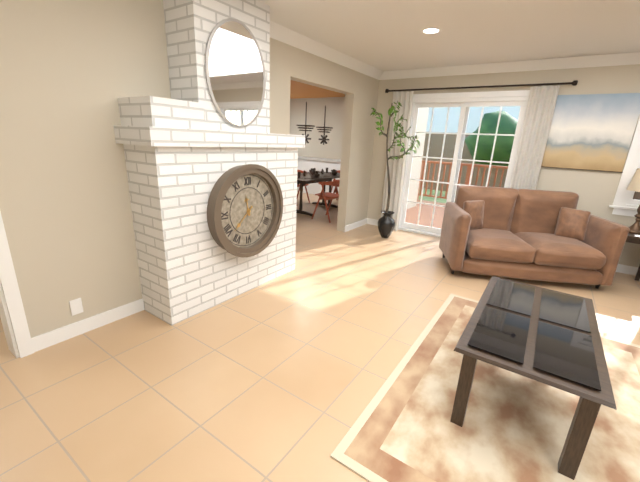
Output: **11:38**
